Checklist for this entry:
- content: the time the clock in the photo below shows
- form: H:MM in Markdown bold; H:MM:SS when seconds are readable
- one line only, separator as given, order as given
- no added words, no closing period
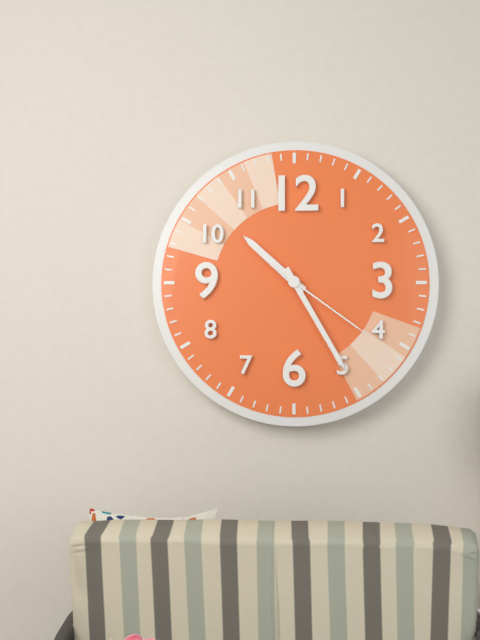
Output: **10:25:21**
